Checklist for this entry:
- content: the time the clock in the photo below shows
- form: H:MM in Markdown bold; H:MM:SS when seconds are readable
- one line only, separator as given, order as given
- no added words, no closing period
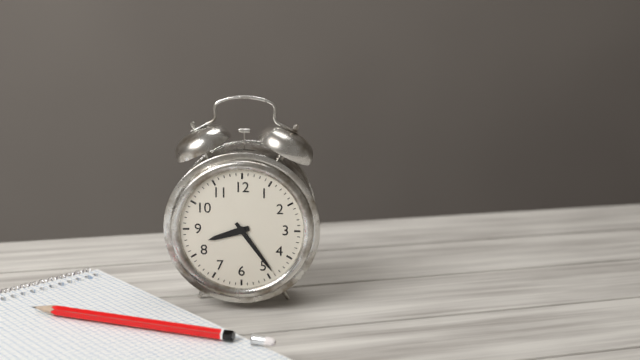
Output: **8:24**
